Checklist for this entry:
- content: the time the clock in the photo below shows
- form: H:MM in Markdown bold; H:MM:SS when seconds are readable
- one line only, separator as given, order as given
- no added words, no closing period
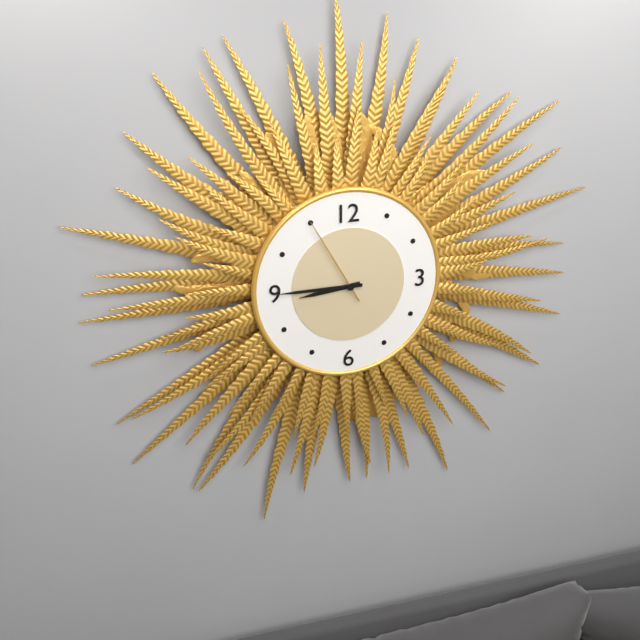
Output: **8:45:55**
